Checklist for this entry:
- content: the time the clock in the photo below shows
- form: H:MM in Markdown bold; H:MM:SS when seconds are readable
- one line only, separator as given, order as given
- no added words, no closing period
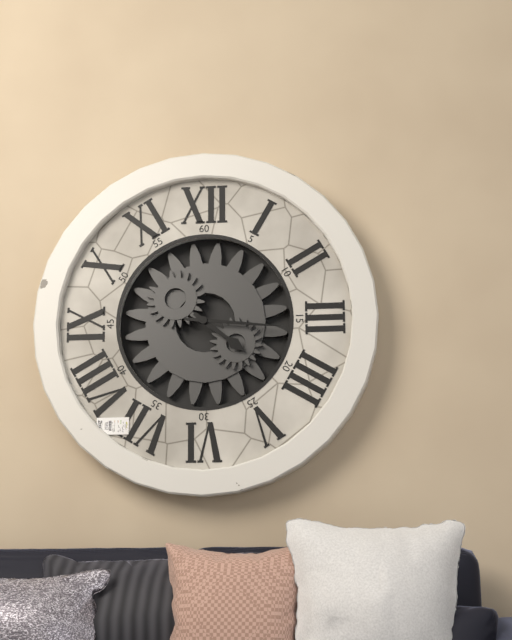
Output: **4:16**
